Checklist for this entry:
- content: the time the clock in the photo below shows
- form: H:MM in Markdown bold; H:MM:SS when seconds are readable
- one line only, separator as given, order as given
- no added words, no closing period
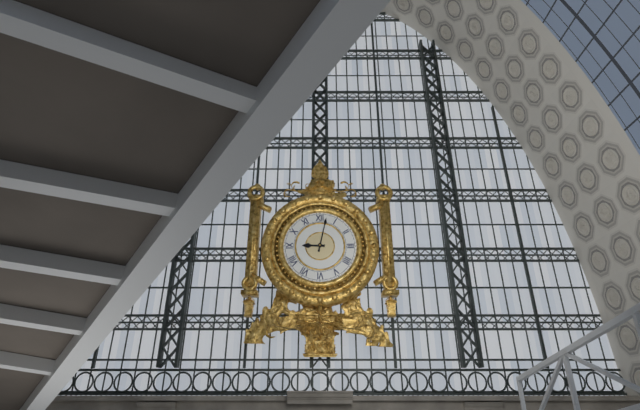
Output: **9:02**
